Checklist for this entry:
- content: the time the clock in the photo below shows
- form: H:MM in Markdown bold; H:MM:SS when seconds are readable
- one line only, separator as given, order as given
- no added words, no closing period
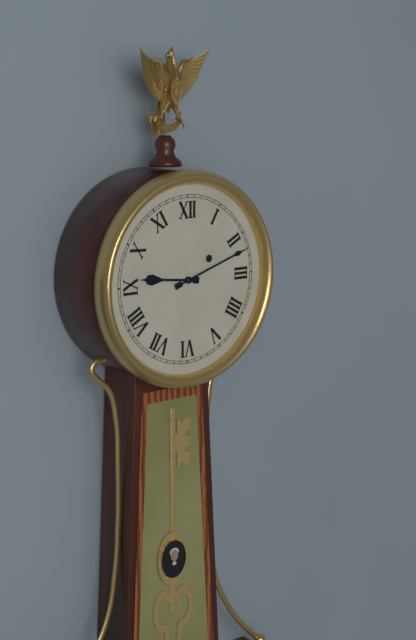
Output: **9:12**
